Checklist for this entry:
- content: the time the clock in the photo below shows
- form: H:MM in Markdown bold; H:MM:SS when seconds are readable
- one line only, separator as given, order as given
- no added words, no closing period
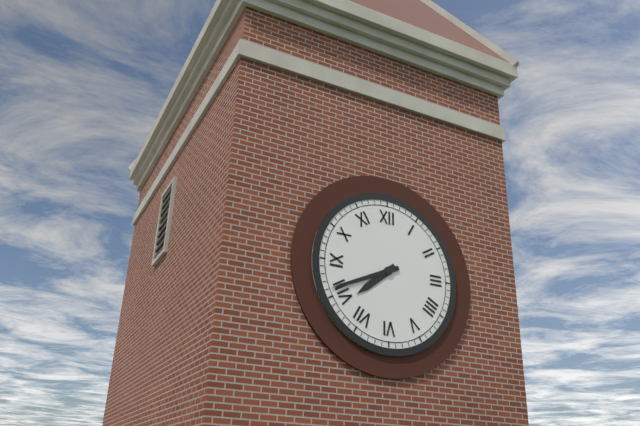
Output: **7:41**
